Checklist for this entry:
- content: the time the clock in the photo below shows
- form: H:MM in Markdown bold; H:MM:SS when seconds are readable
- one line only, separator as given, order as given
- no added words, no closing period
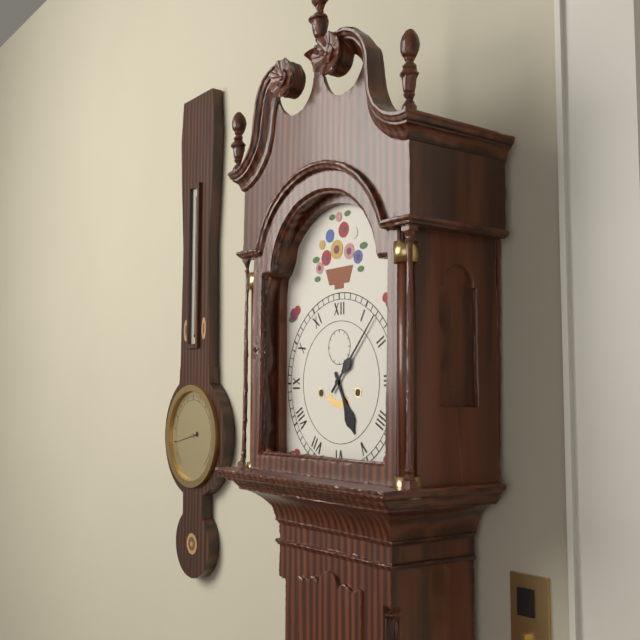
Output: **5:07**
